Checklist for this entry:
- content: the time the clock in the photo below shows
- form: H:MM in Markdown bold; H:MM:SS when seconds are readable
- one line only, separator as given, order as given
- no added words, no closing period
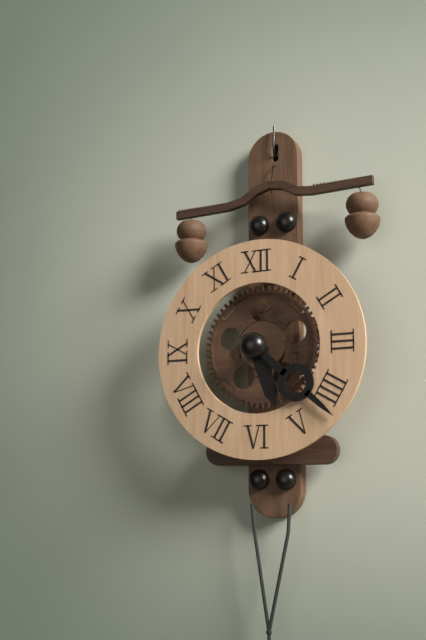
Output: **5:22**
